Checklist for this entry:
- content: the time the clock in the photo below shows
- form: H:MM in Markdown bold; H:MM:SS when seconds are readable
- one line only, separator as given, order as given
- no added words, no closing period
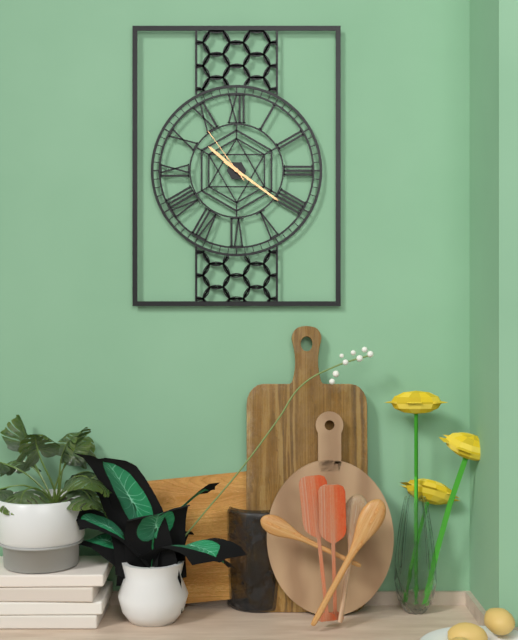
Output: **10:21:54**
